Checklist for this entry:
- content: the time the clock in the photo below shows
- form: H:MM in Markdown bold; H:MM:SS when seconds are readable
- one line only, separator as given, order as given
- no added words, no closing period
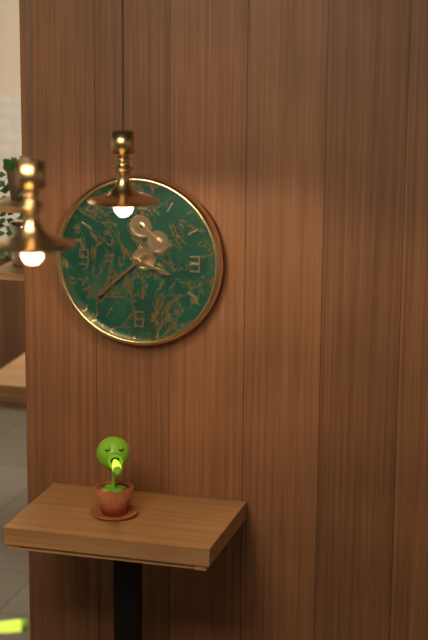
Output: **3:38**
